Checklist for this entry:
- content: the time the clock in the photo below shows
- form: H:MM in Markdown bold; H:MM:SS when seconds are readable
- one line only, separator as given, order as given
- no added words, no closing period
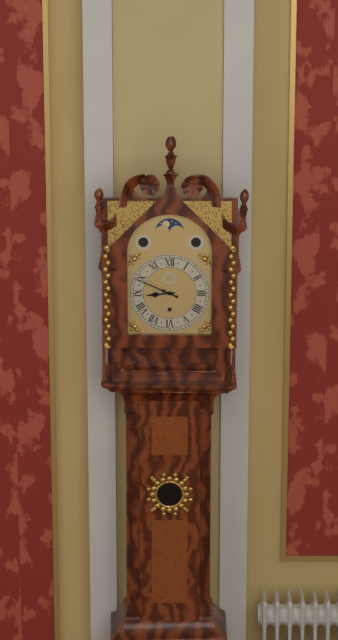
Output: **8:49**
